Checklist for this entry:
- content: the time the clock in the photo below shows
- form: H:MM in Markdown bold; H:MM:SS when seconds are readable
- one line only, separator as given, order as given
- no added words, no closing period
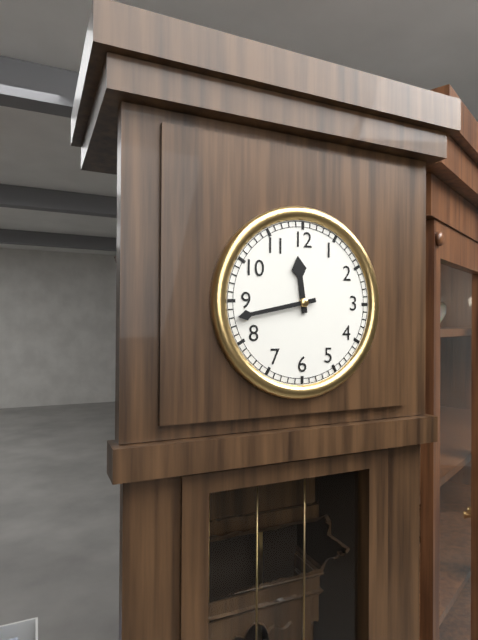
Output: **11:43**
